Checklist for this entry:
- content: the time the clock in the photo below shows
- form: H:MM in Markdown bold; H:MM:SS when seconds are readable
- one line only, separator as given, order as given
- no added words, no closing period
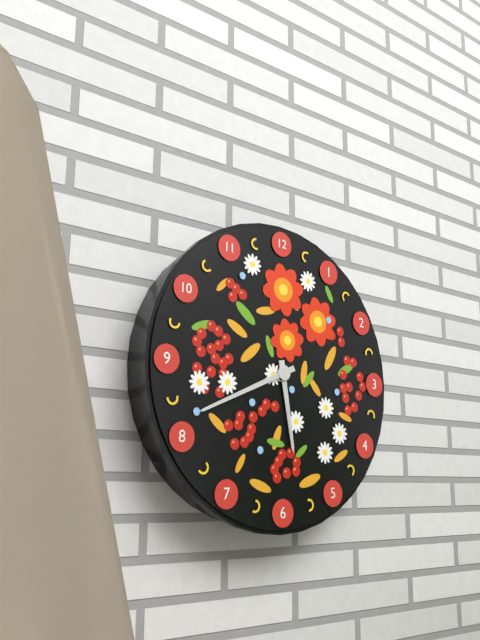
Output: **5:41**
